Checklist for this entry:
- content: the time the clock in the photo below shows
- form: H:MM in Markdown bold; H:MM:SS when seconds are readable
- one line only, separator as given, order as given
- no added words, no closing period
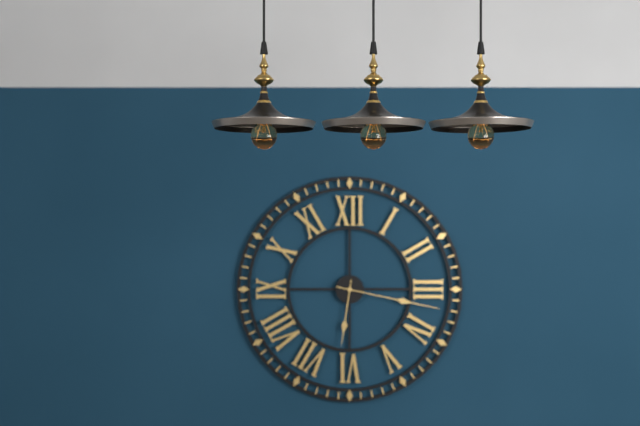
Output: **6:17**
